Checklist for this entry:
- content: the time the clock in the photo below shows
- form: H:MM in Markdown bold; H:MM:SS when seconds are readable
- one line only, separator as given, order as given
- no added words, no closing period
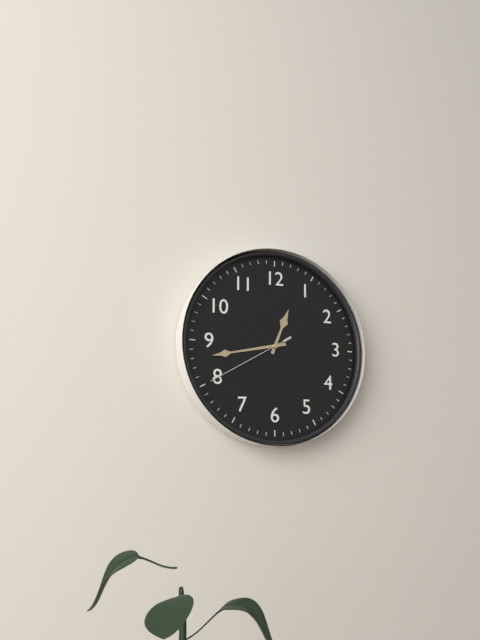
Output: **12:43:40**
